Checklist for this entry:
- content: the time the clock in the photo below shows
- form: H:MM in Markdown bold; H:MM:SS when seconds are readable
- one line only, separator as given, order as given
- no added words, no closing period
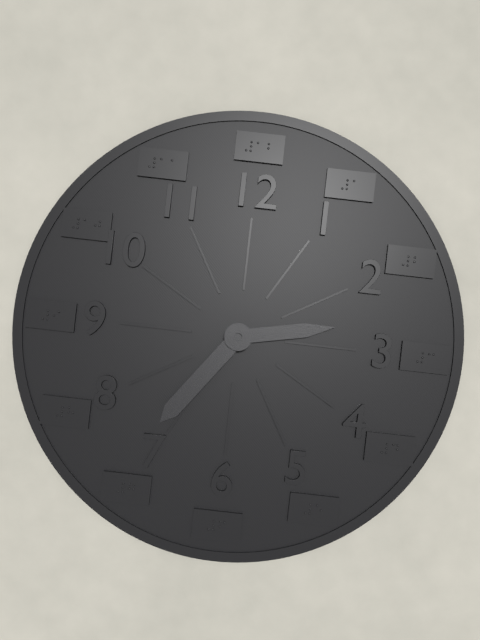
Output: **2:36**
